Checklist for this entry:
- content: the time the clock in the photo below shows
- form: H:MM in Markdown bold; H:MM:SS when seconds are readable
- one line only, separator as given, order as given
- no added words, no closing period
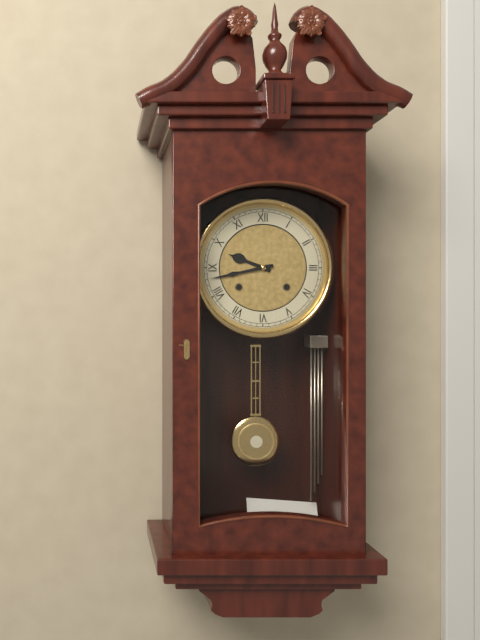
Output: **9:43**
